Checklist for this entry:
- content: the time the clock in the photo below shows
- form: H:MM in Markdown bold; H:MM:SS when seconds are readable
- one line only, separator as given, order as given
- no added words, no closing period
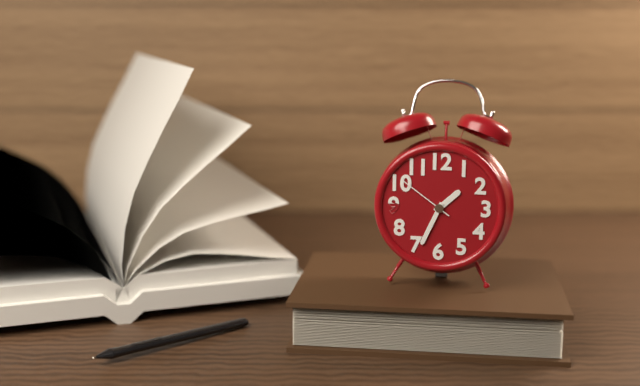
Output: **1:34:51**
